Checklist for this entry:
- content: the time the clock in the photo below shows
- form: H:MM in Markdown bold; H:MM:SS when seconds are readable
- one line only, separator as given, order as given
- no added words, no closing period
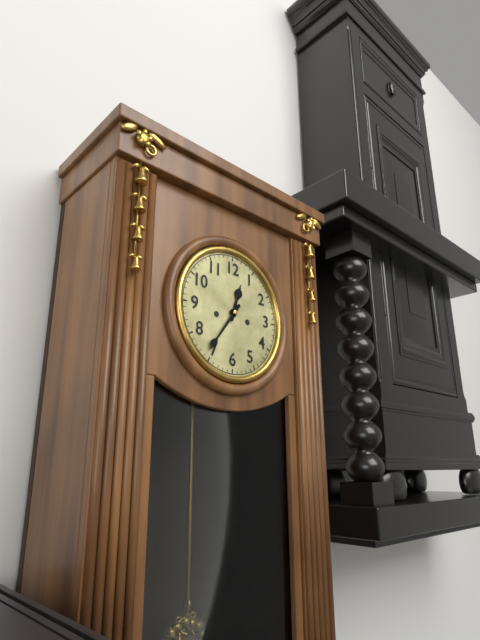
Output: **12:36**
